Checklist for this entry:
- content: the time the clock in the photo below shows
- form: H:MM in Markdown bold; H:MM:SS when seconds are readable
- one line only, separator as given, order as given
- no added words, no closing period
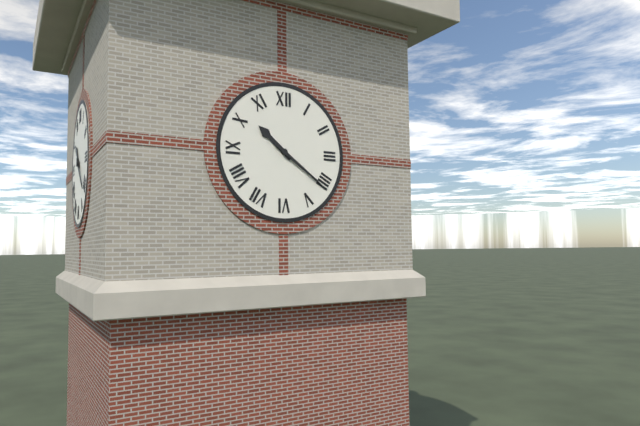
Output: **10:21**
